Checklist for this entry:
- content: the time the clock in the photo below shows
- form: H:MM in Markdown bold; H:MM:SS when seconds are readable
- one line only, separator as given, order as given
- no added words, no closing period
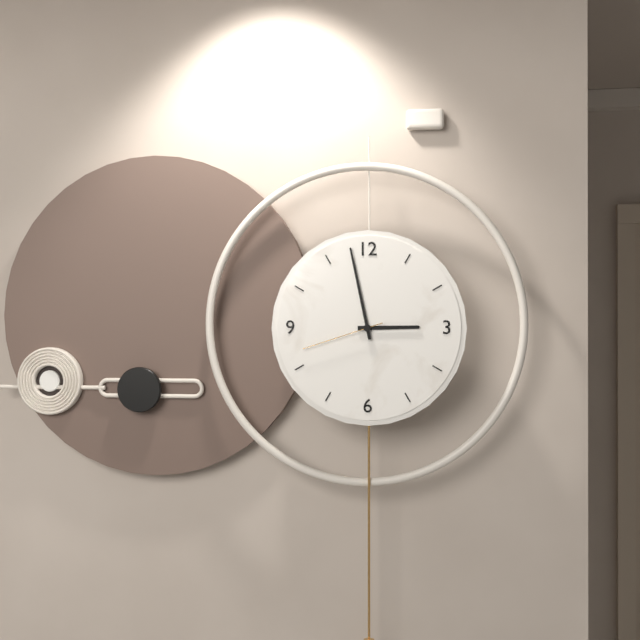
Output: **2:58:42**
